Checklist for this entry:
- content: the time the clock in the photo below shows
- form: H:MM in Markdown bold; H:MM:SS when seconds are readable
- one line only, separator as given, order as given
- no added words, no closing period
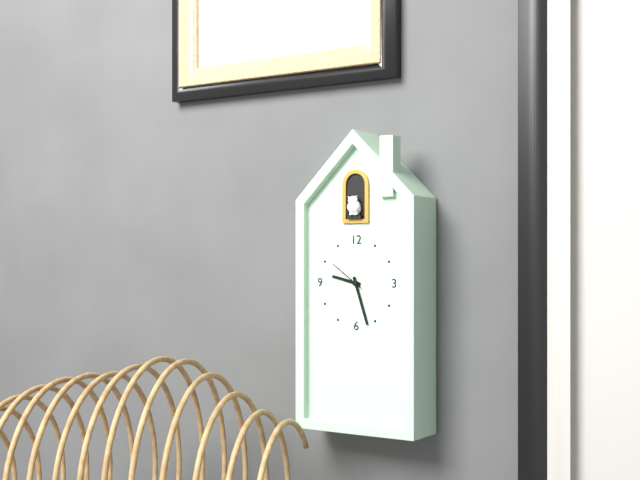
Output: **9:27**
